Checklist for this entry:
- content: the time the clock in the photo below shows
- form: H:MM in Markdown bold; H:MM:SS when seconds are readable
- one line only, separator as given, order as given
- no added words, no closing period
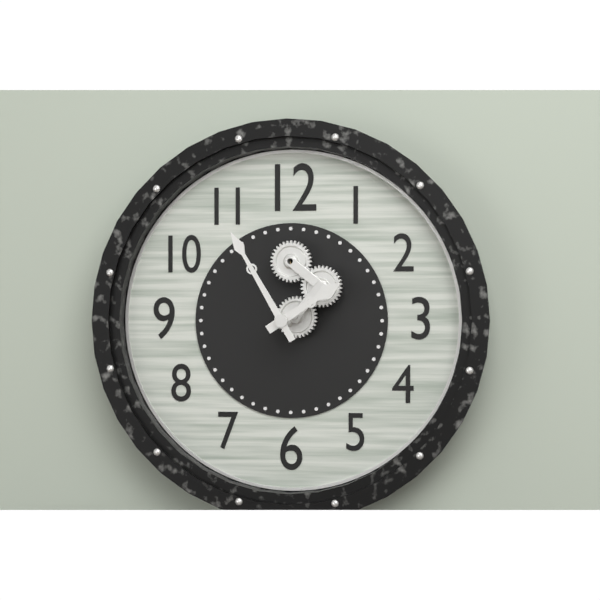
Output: **1:55**
